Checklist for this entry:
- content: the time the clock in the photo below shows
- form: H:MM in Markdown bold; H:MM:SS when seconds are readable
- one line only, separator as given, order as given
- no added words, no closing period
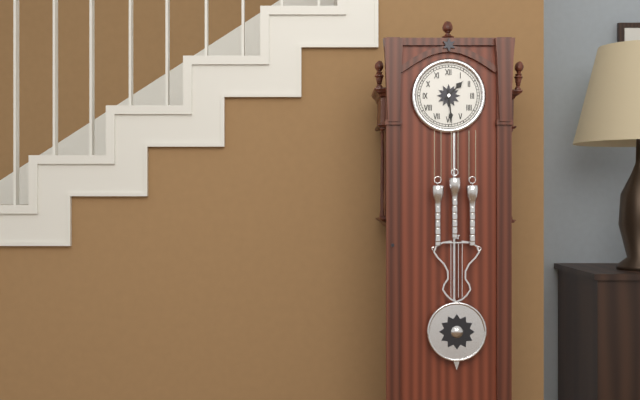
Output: **1:29**
